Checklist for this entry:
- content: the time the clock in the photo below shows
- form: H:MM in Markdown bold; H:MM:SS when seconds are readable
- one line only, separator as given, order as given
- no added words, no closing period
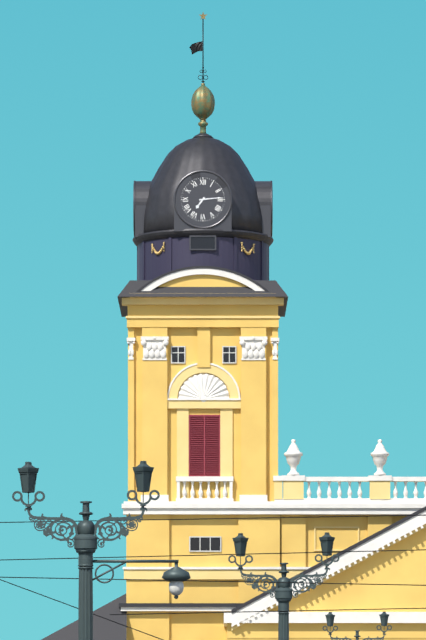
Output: **7:14**
